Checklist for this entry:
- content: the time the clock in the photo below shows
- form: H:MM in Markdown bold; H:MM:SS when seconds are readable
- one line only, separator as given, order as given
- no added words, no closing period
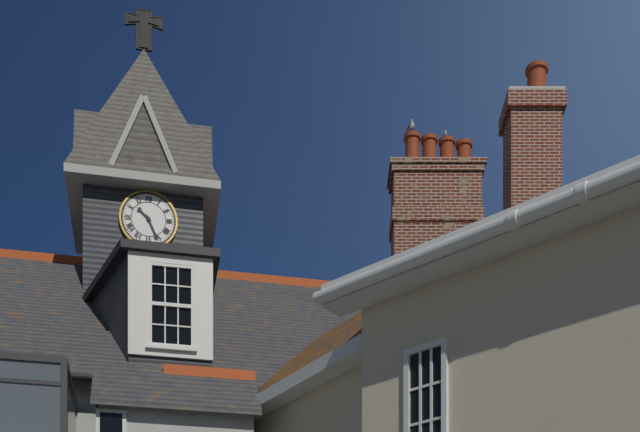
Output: **10:26**
